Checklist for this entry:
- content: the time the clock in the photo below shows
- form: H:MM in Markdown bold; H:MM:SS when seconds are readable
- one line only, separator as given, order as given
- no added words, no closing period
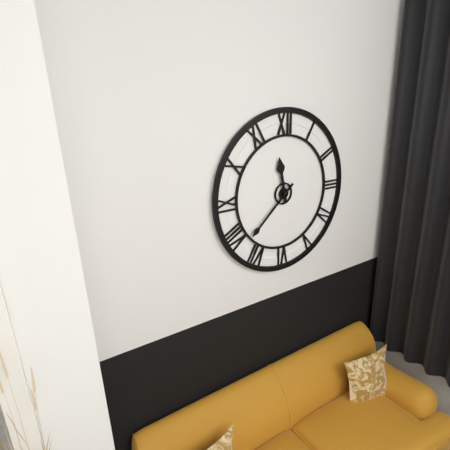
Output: **11:38**
